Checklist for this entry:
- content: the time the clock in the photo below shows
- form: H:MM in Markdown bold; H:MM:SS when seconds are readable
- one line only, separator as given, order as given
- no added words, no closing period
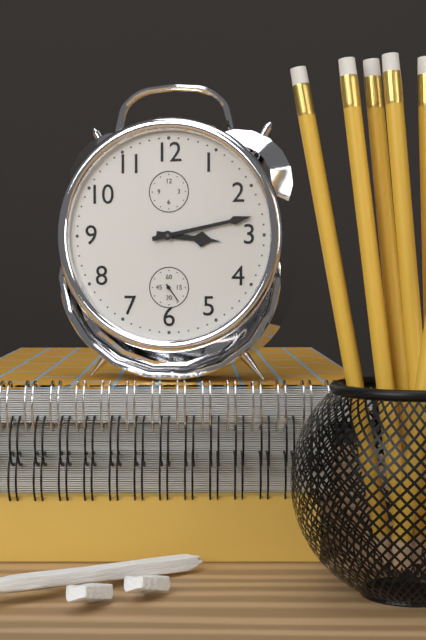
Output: **3:13**
